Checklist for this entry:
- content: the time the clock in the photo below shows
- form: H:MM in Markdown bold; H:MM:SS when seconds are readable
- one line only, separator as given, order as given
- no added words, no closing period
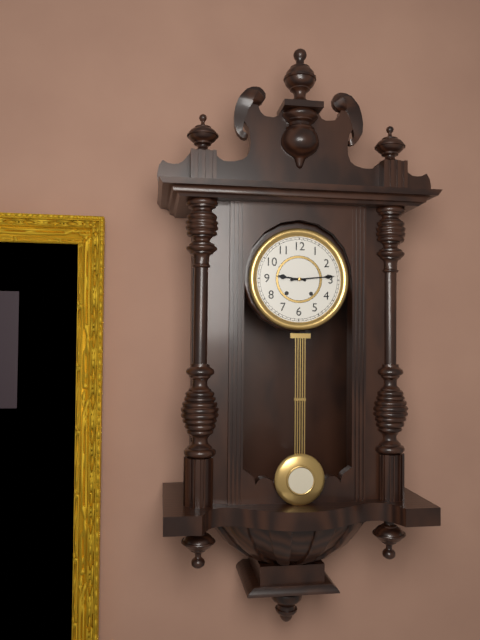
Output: **9:14**
